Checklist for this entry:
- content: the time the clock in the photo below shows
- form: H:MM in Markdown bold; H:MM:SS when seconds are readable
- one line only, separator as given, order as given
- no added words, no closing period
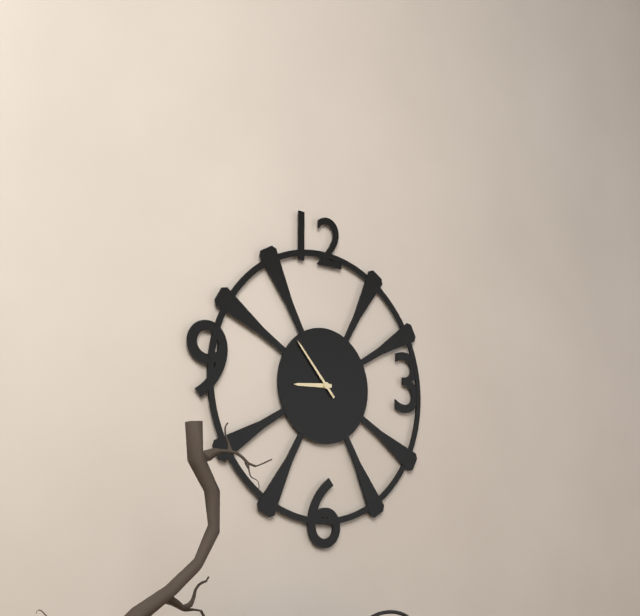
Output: **8:53**
